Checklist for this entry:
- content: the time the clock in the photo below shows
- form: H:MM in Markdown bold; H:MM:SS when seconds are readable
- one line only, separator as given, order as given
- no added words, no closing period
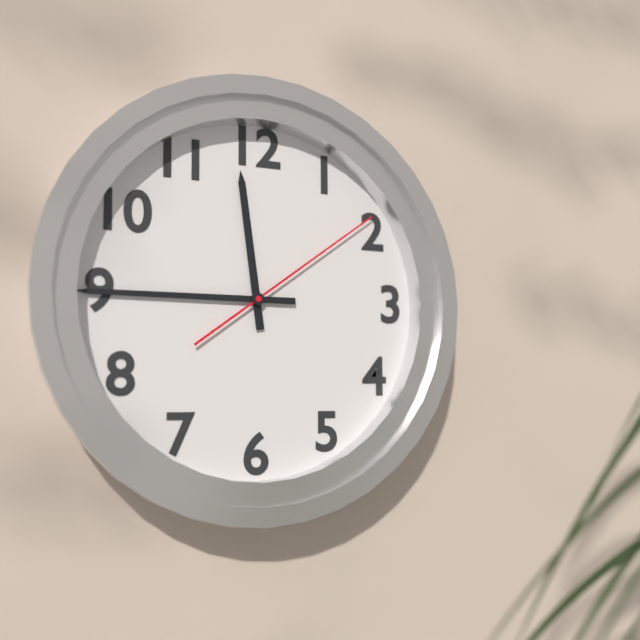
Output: **11:45:09**
